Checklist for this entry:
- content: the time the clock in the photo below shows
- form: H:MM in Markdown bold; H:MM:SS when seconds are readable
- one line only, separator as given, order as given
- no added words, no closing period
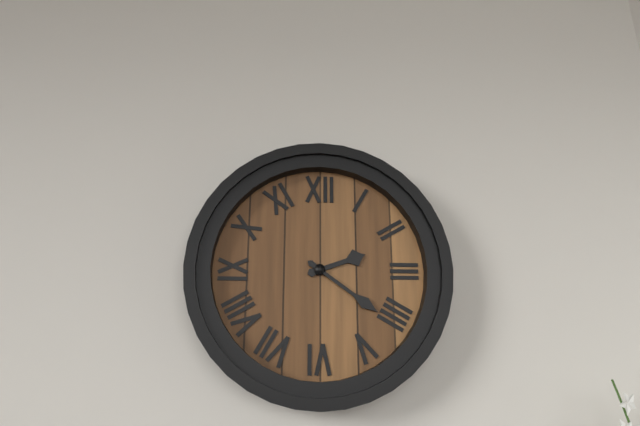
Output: **2:21**
